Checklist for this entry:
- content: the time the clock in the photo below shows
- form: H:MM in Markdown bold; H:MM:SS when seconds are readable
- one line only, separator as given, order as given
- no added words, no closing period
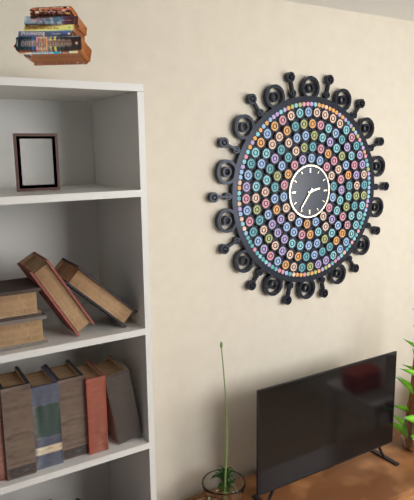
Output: **2:36**
